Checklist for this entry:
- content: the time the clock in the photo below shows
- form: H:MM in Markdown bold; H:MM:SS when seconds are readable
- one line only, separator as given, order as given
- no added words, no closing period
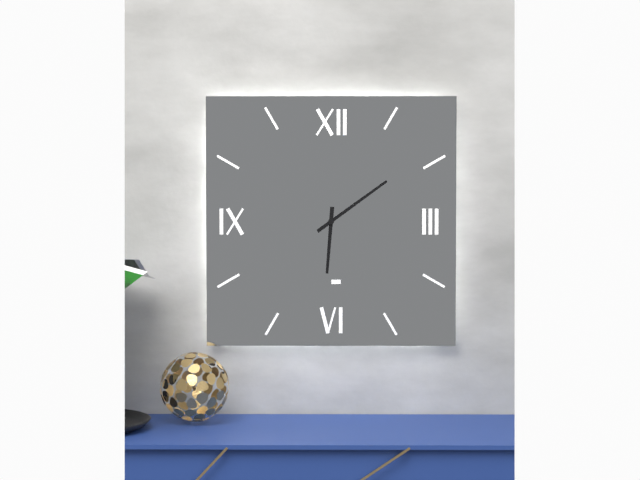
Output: **6:09**
